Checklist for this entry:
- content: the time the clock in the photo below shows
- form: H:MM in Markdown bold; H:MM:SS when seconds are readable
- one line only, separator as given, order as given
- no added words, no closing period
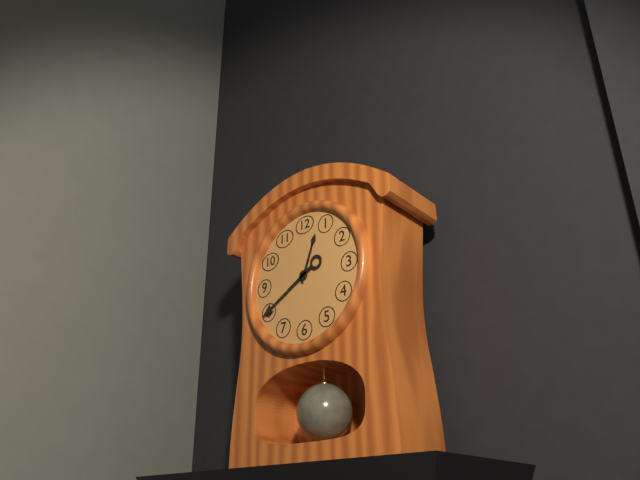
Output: **12:40**
